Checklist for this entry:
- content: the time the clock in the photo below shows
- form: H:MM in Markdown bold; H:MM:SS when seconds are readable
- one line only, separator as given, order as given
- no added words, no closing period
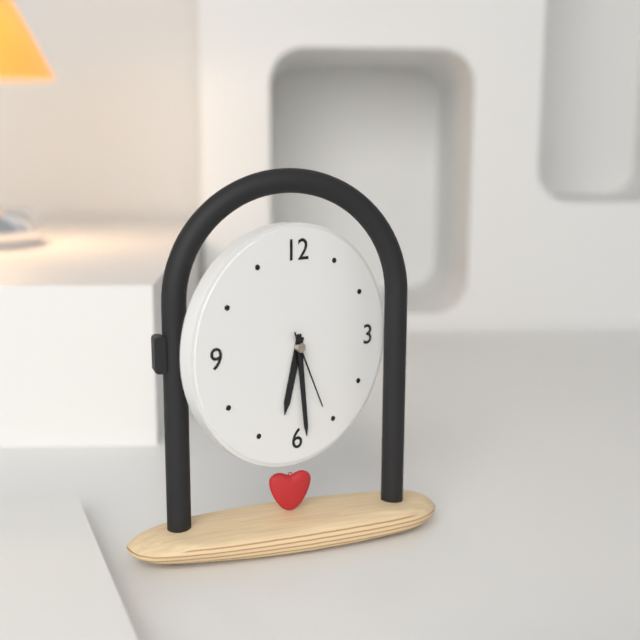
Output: **6:29:26**
